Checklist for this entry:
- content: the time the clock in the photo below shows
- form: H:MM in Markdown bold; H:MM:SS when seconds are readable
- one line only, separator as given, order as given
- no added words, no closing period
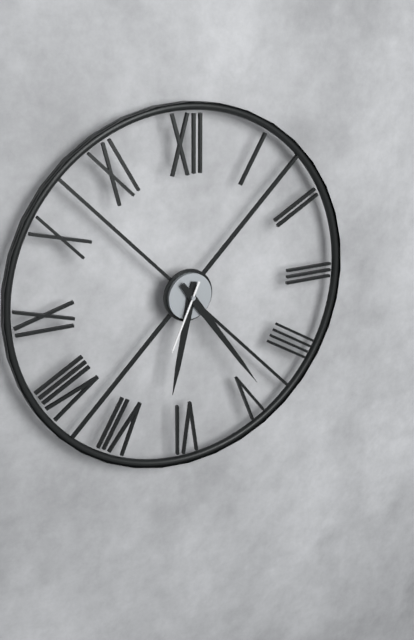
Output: **6:24:34**
